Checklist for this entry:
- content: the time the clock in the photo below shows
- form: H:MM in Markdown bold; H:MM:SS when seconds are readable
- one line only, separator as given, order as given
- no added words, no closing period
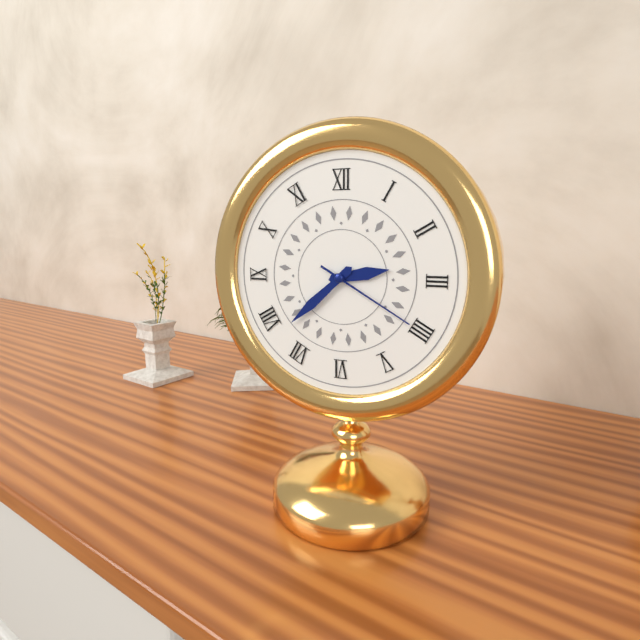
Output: **2:38:20**
